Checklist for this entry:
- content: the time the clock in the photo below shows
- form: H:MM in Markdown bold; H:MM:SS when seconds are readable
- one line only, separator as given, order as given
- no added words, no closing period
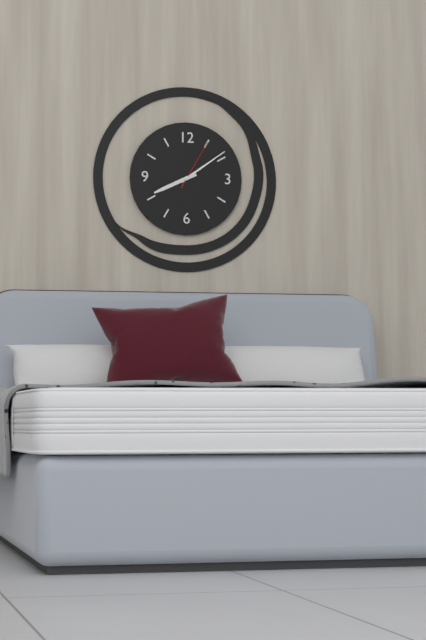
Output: **8:09:05**
